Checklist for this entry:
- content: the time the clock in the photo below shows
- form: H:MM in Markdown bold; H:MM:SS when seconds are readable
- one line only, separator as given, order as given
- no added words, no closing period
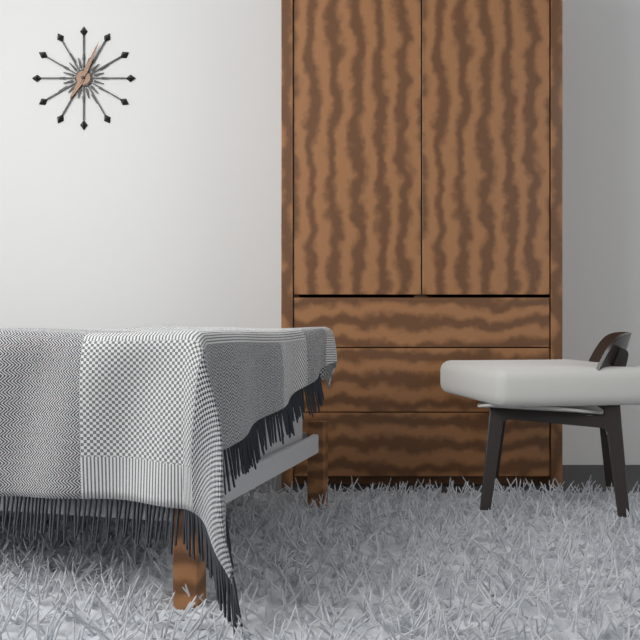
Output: **7:04**
